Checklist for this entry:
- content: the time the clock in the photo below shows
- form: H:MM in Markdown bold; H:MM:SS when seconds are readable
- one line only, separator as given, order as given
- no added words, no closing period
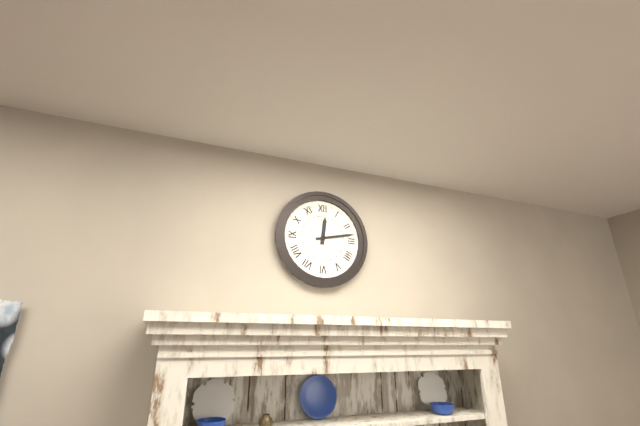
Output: **12:13**
